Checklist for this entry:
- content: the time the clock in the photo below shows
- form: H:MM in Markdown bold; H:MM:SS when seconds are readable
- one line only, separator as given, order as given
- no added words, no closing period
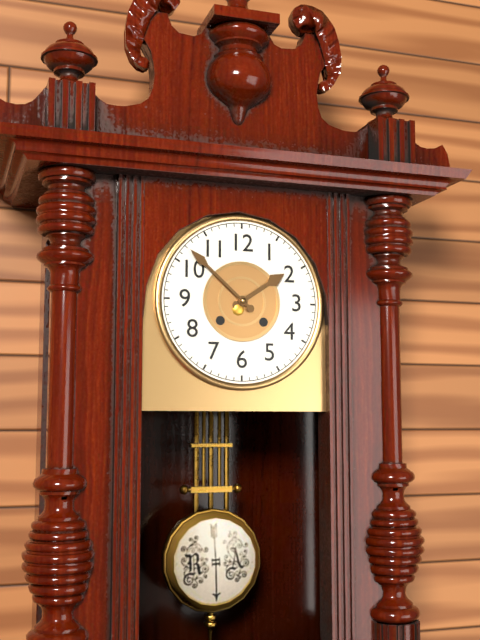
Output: **1:52**
